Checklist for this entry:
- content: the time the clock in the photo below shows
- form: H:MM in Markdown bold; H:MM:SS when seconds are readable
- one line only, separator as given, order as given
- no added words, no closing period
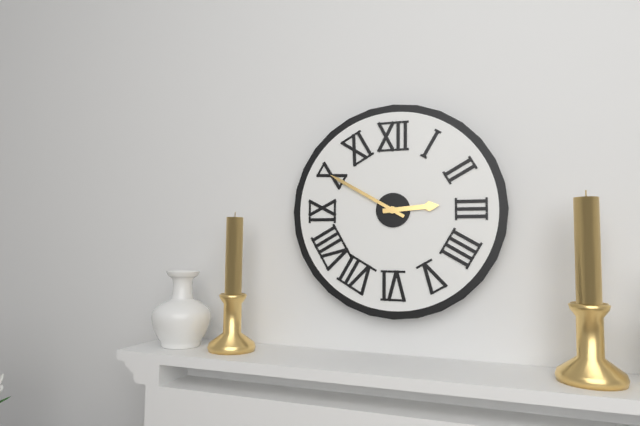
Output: **2:50**
